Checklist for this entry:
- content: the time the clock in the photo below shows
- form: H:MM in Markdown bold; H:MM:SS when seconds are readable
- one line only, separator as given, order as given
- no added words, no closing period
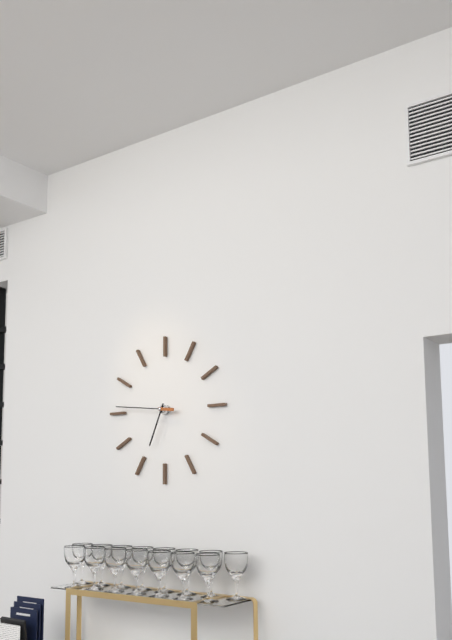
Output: **6:46**
